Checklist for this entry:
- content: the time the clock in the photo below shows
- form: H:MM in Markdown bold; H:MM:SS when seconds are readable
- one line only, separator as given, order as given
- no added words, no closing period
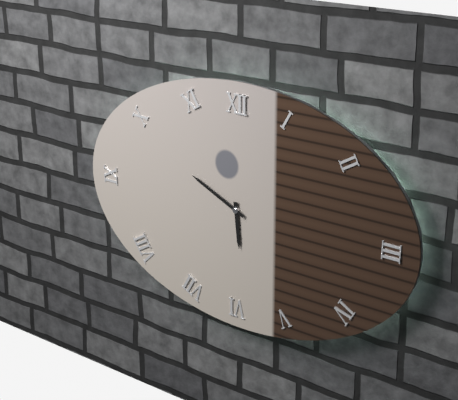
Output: **5:49**
